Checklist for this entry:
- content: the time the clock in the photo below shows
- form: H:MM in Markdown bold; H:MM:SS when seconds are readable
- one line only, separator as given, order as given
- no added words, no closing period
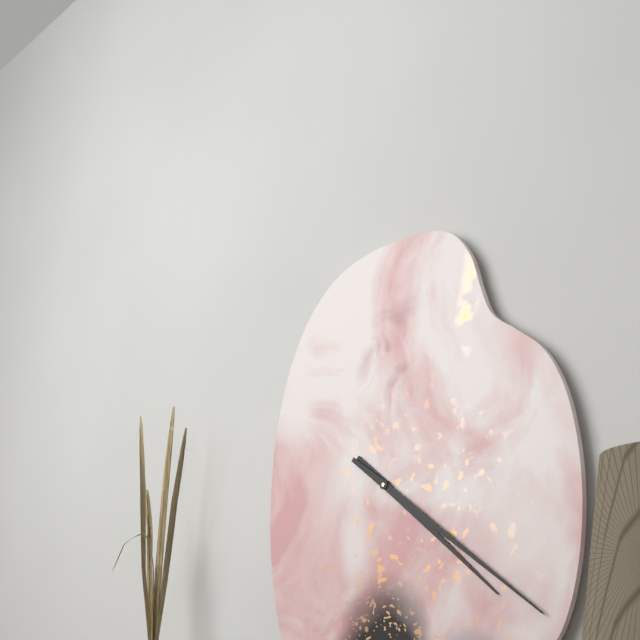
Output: **4:21**
